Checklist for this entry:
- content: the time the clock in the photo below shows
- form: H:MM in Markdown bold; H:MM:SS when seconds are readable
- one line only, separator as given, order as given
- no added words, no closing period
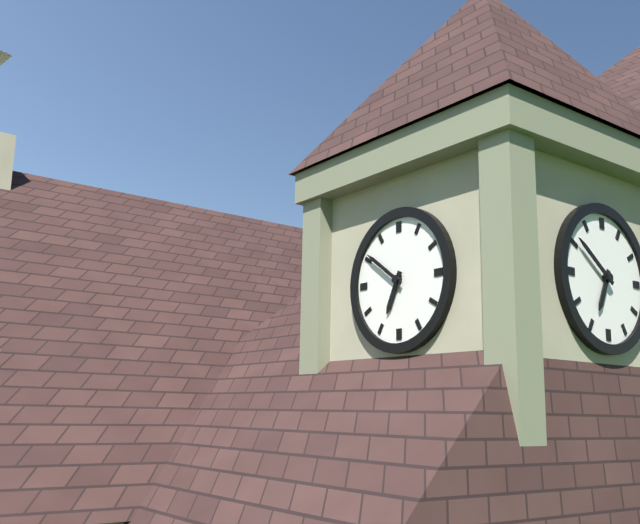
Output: **6:51**
